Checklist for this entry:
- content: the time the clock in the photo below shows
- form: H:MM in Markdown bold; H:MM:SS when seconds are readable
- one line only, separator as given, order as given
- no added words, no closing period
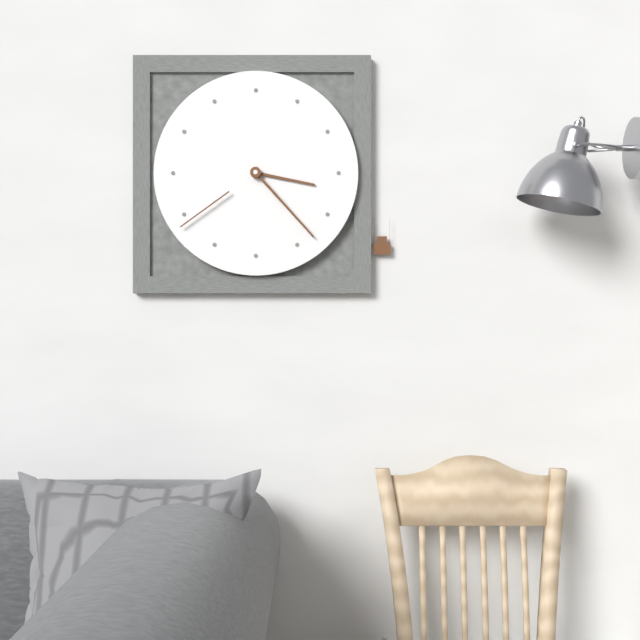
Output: **3:23:39**
